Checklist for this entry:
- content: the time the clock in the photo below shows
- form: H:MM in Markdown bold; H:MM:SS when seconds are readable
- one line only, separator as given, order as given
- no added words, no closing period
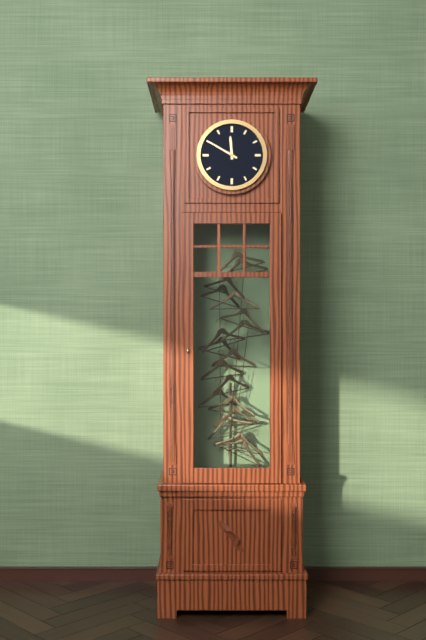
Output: **11:50**
